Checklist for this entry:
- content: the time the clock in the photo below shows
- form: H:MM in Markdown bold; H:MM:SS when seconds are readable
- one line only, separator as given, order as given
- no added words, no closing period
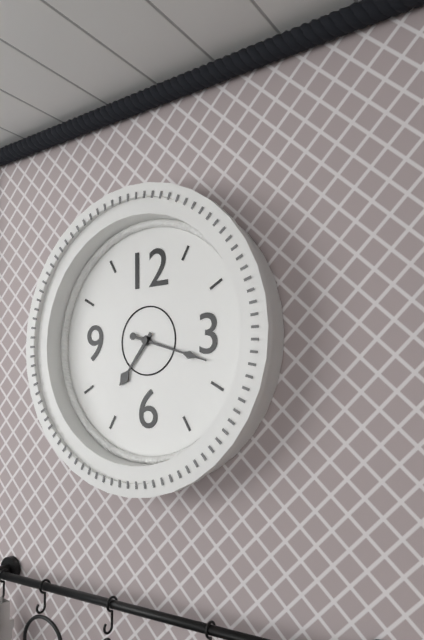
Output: **7:18**
